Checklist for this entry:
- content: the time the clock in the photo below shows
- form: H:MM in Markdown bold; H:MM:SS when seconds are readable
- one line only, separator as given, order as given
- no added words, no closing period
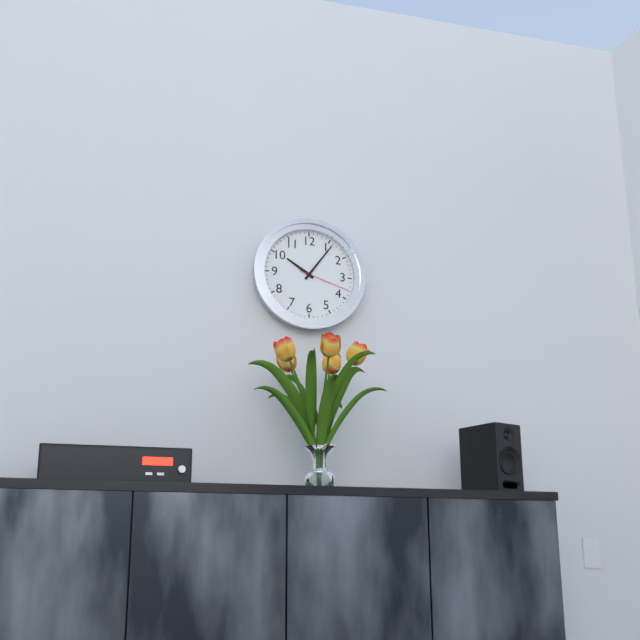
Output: **10:06:18**
